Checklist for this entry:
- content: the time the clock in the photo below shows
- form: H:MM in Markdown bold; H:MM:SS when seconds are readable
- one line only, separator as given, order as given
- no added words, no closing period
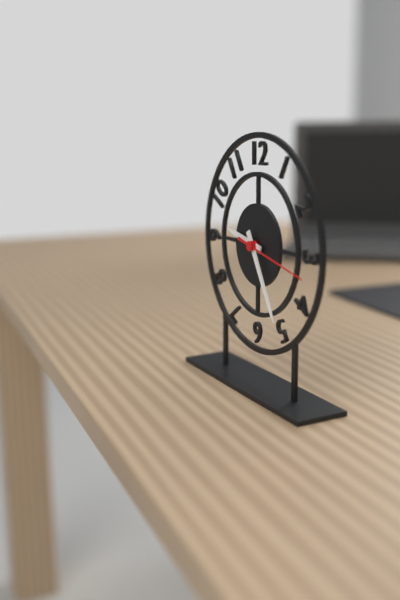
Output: **9:25:17**
